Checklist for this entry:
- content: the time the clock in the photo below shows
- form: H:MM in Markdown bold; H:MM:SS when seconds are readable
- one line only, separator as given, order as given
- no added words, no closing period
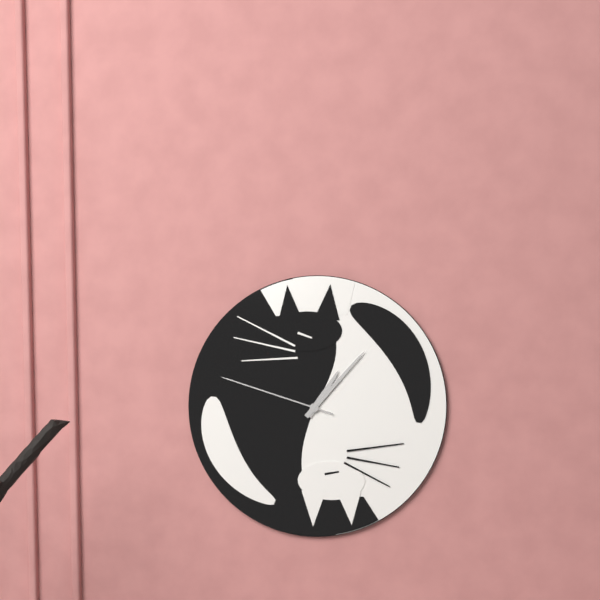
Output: **1:07:48**
